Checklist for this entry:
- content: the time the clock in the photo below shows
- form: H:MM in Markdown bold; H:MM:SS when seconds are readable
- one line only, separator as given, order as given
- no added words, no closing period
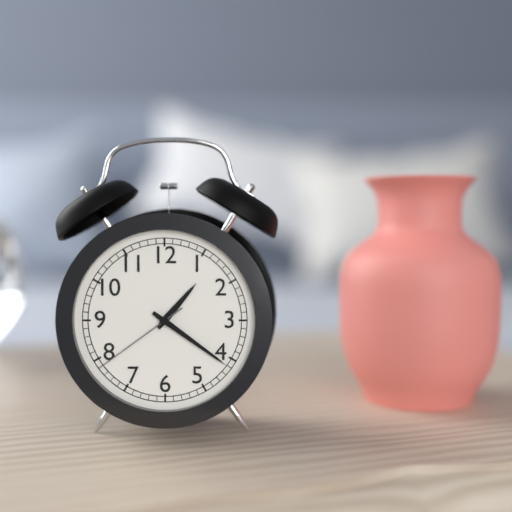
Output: **1:21:39**
